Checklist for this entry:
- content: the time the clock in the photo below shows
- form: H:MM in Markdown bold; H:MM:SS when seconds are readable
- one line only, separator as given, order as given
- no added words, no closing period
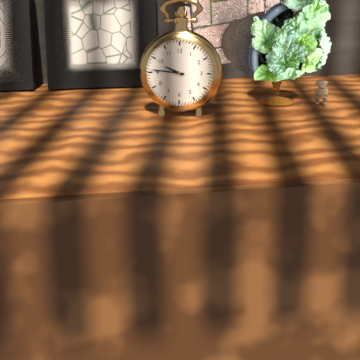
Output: **9:46**
